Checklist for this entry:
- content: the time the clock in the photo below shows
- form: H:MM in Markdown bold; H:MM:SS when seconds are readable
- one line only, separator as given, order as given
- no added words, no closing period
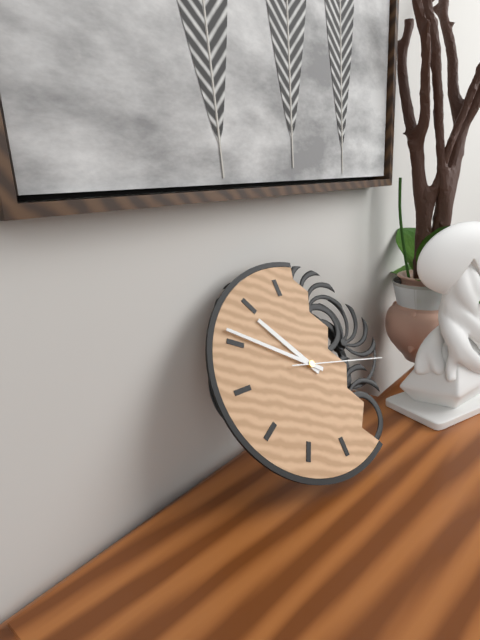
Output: **10:51:17**
